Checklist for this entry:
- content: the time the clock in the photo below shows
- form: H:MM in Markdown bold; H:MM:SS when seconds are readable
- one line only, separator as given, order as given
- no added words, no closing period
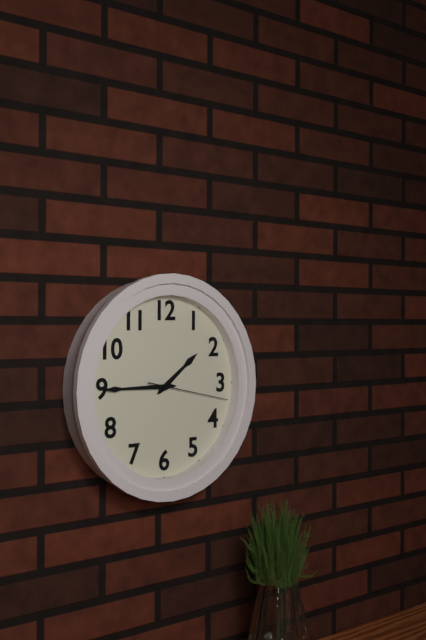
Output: **1:45:17**
